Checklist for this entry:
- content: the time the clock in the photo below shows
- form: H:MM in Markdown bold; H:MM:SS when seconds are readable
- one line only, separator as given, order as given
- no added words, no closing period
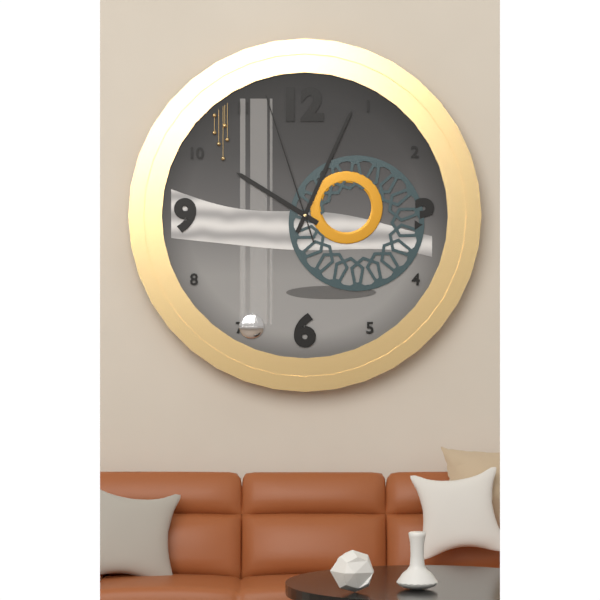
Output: **10:04:57**
